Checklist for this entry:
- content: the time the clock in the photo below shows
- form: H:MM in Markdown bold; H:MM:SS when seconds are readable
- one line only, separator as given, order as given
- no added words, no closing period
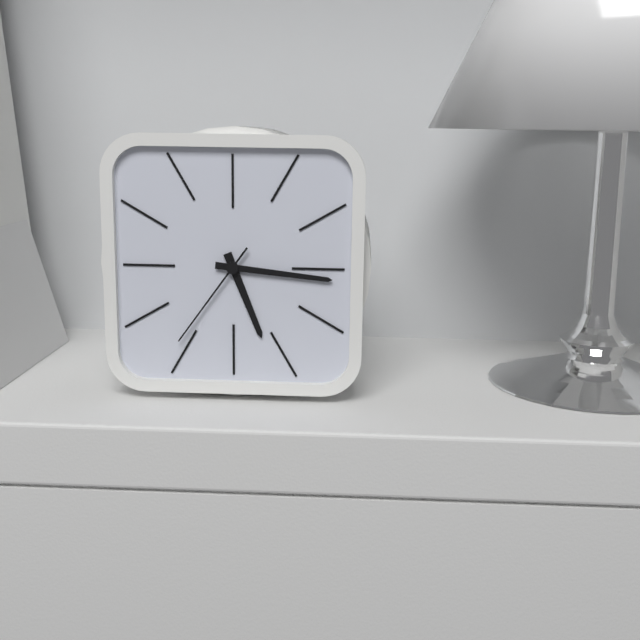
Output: **5:16:36**
